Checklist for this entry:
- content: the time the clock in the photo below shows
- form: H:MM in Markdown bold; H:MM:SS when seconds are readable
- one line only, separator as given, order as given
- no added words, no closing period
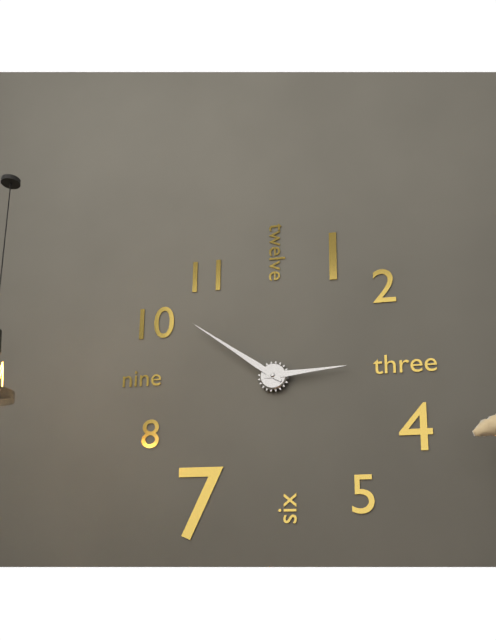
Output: **2:51**
